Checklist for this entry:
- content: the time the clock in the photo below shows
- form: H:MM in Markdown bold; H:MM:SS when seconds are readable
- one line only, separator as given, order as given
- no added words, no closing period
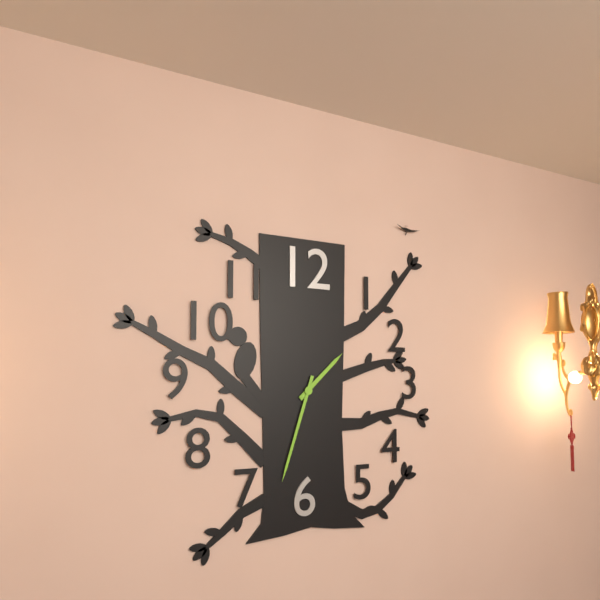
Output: **1:33**
